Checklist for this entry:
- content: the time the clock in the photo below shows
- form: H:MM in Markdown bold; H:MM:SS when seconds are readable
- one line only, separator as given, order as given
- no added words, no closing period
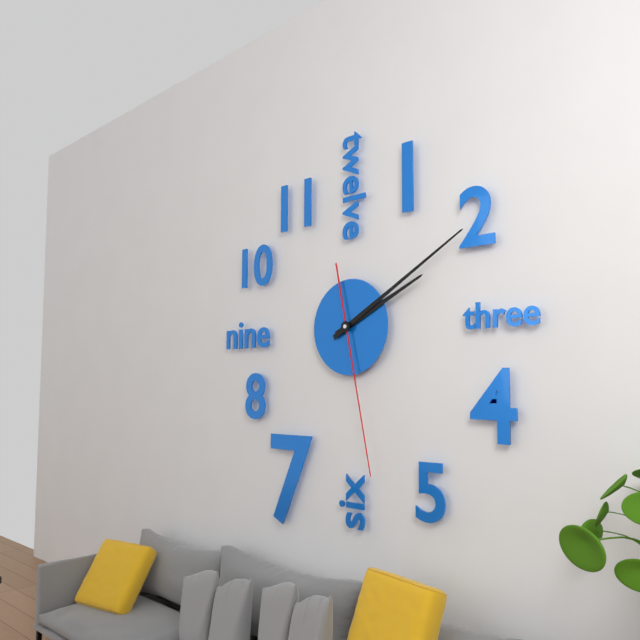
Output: **2:10:28**
